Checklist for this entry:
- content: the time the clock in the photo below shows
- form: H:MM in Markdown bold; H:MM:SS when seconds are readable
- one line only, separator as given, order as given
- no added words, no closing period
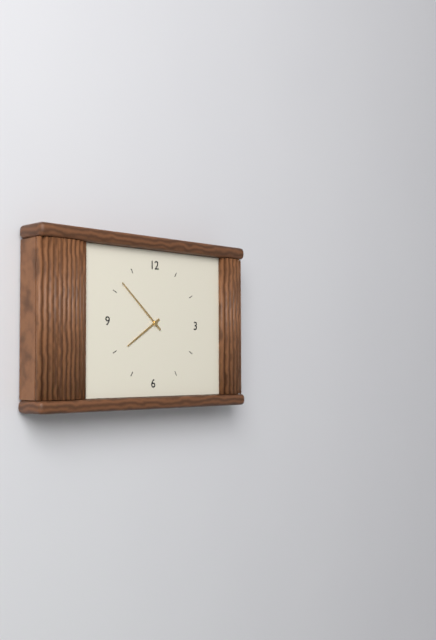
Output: **7:52**
